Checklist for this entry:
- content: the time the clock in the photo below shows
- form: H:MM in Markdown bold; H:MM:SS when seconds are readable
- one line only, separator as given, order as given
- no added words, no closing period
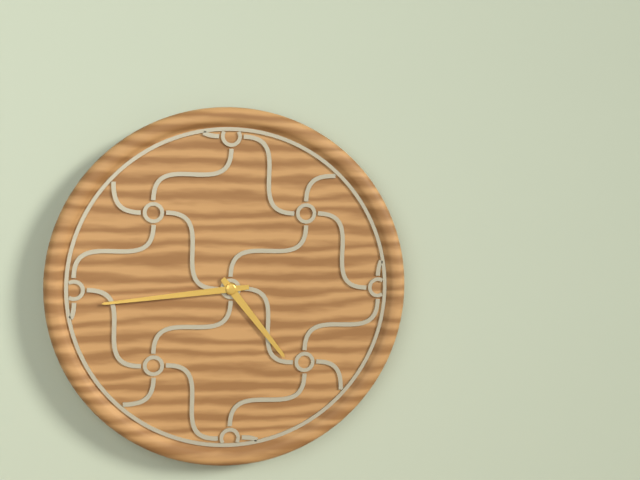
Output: **4:44**
